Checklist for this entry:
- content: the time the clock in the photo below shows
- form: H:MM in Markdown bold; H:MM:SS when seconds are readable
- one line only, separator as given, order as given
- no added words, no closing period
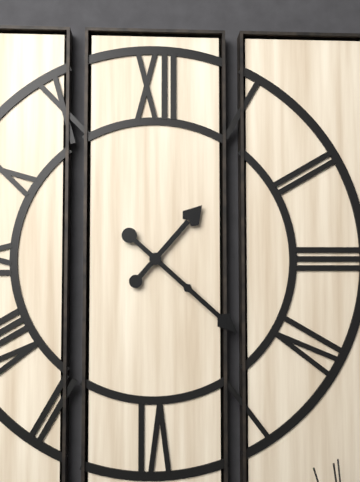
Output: **1:22**
